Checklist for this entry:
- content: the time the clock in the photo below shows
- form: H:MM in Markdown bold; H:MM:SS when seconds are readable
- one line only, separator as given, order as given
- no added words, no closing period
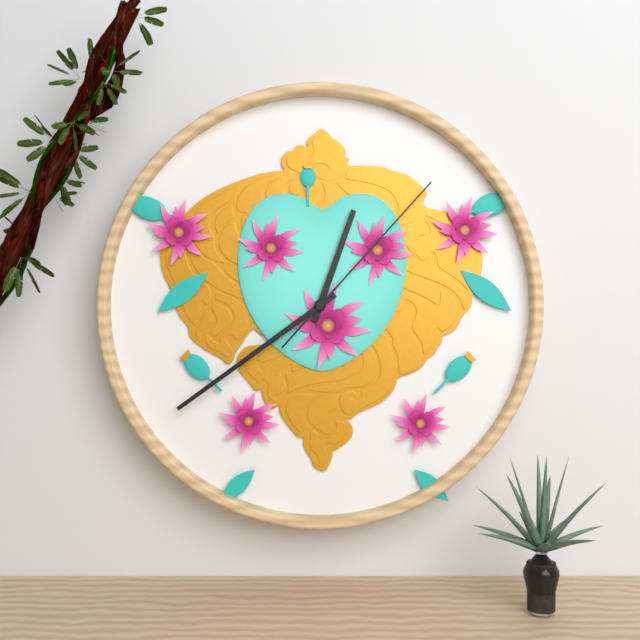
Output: **12:39:07**
